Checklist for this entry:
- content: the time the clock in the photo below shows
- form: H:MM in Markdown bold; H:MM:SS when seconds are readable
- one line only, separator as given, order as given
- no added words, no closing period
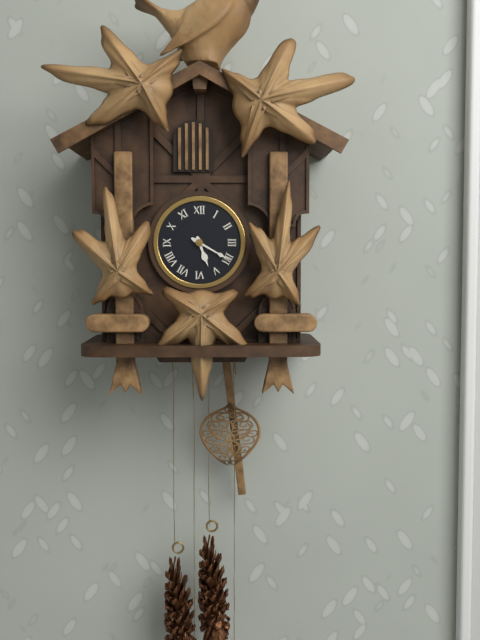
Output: **5:20**
